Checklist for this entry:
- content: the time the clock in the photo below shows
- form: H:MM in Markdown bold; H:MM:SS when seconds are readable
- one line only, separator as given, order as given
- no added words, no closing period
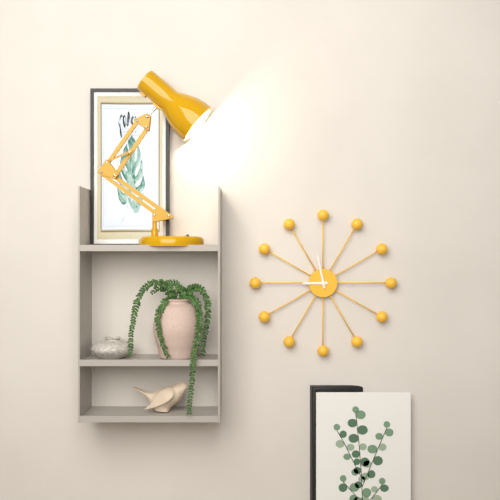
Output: **8:58**
